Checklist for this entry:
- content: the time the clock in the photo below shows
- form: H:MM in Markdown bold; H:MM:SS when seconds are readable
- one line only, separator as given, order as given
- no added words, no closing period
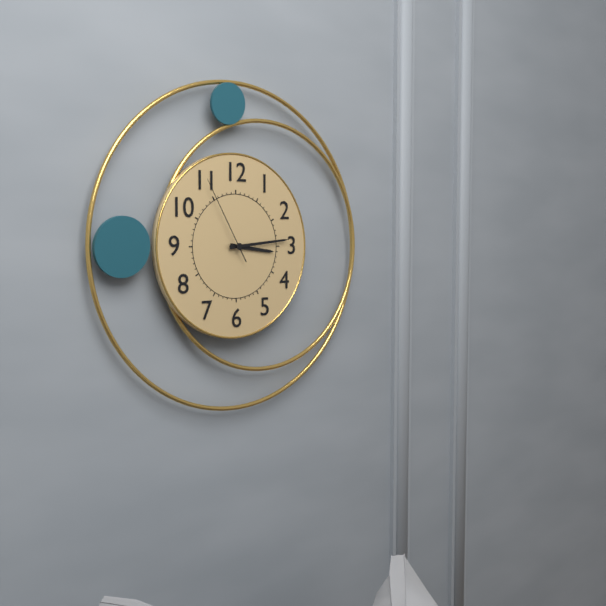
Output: **3:14:55**
